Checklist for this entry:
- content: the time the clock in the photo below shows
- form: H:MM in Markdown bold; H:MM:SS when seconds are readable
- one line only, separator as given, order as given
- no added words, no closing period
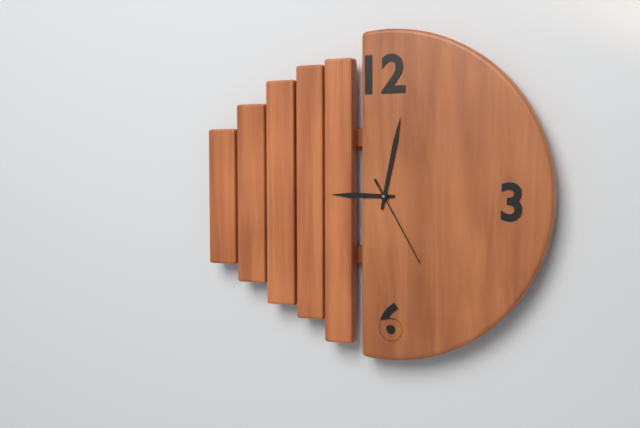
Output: **9:02:25**
